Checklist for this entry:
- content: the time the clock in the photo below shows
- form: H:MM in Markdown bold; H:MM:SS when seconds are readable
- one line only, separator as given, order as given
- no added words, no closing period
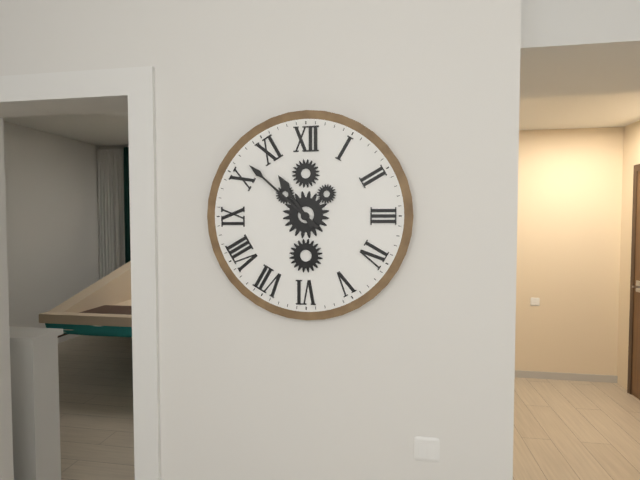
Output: **10:52**
